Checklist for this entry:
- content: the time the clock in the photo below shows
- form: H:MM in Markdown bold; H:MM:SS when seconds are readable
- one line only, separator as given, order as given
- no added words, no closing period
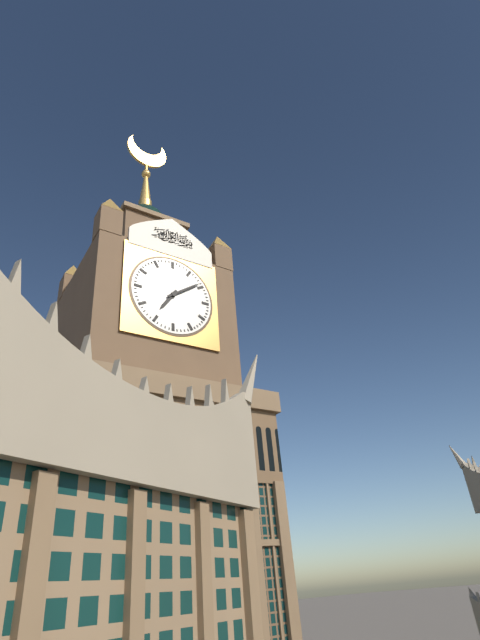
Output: **7:09**
